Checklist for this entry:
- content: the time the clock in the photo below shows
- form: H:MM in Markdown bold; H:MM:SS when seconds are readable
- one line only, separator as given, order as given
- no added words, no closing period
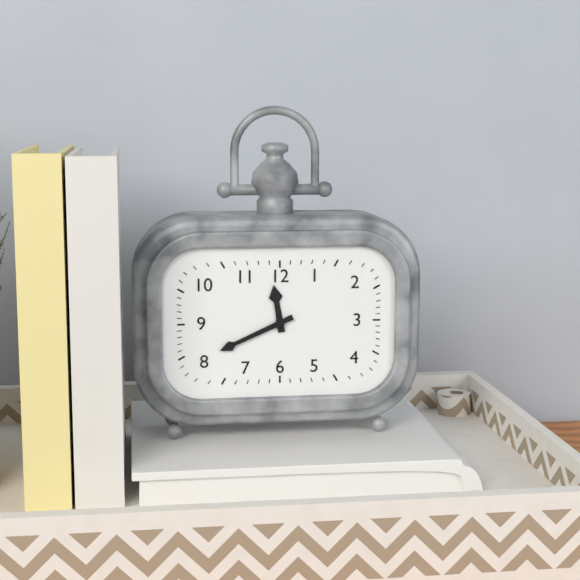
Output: **11:41**
